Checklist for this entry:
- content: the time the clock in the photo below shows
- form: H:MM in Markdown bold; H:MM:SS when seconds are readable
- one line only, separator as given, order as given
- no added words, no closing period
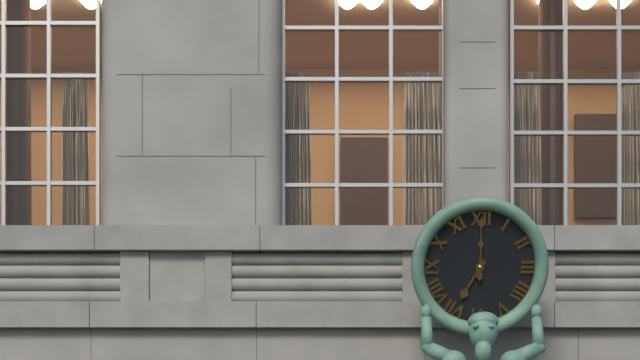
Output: **7:00**
